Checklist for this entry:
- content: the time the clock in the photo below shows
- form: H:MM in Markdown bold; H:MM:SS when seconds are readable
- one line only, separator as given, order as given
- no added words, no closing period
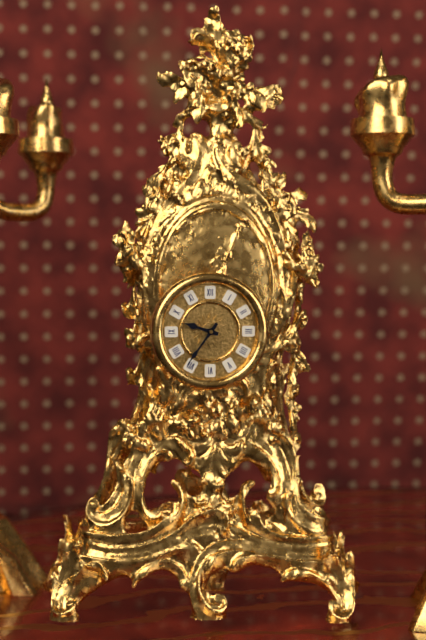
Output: **9:36**
